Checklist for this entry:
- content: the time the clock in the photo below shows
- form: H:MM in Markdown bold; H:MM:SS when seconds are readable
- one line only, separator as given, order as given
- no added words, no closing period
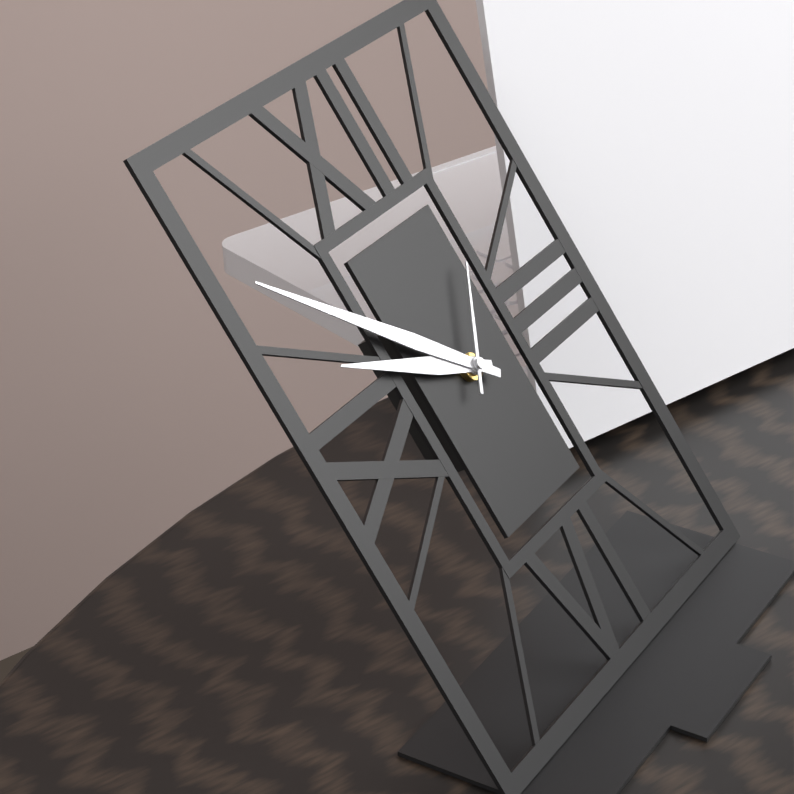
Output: **9:52:06**
